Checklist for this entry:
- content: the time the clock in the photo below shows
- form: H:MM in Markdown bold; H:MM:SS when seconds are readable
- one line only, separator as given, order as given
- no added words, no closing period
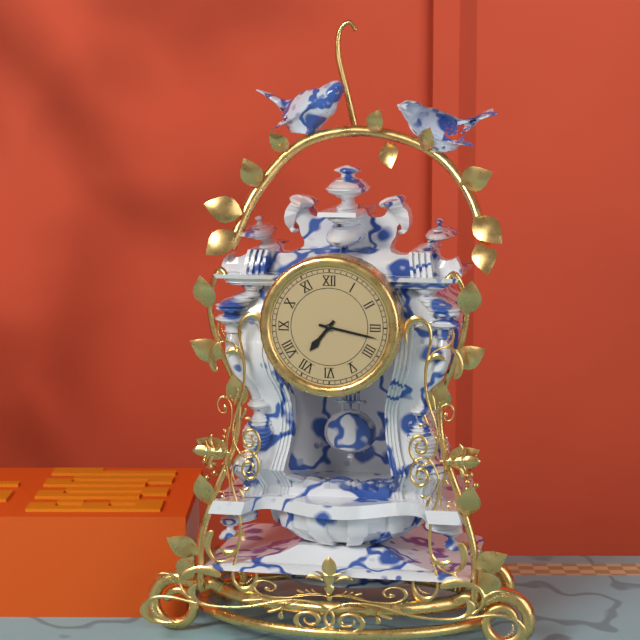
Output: **7:17**
